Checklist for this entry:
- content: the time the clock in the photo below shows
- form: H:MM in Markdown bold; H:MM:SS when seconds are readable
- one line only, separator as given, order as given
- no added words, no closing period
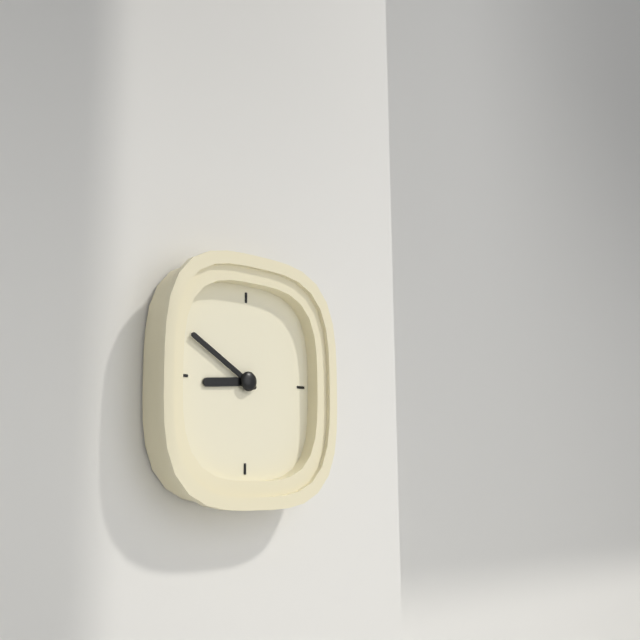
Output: **8:50**
